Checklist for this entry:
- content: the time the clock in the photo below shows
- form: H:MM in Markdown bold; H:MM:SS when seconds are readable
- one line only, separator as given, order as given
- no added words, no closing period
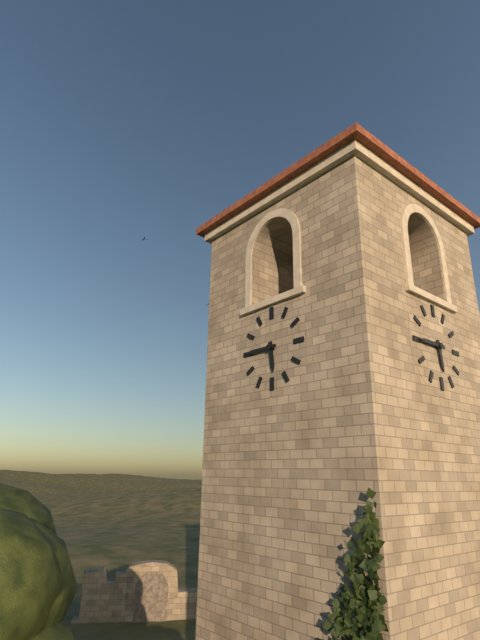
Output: **5:45**
